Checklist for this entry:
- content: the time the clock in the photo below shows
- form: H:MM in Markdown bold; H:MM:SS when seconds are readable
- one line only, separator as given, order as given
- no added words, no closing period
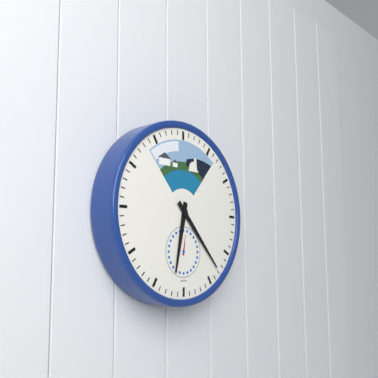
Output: **6:23**
